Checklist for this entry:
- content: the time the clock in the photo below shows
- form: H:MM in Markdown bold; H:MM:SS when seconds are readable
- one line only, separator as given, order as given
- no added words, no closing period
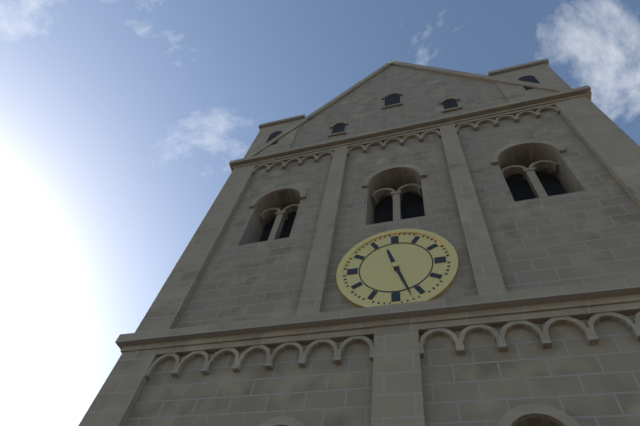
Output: **11:27**
